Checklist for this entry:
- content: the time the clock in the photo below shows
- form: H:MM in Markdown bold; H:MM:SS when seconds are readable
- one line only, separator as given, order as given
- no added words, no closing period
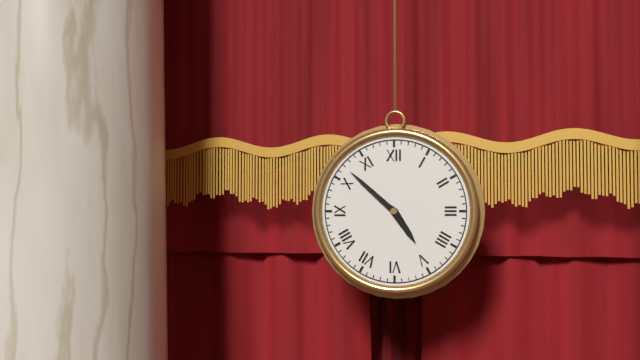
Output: **4:52**
